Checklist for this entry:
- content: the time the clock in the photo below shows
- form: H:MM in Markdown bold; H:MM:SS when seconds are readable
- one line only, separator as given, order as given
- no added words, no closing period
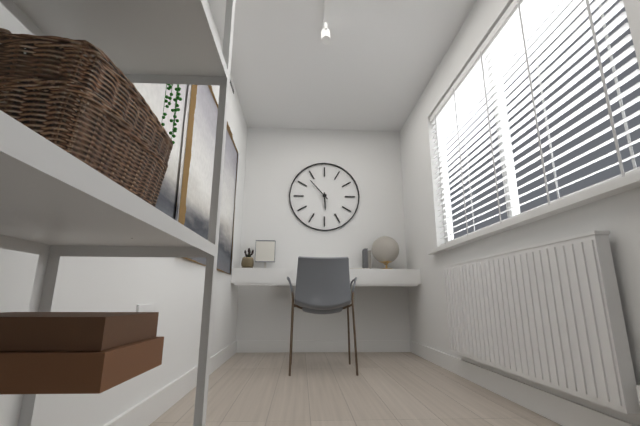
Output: **5:53**
